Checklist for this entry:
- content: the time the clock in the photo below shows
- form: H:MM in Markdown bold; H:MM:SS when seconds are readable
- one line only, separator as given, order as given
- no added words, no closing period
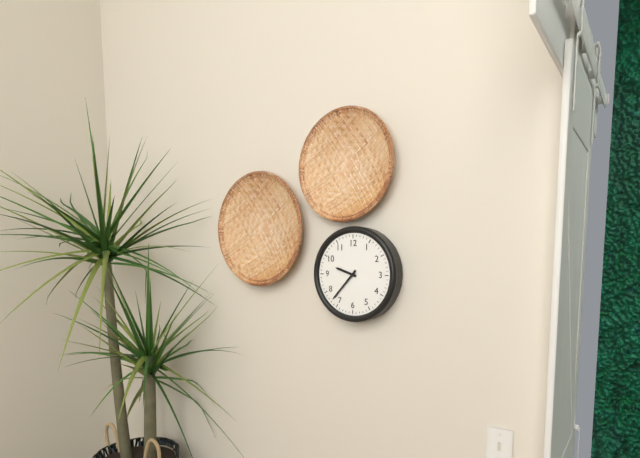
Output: **9:37**
